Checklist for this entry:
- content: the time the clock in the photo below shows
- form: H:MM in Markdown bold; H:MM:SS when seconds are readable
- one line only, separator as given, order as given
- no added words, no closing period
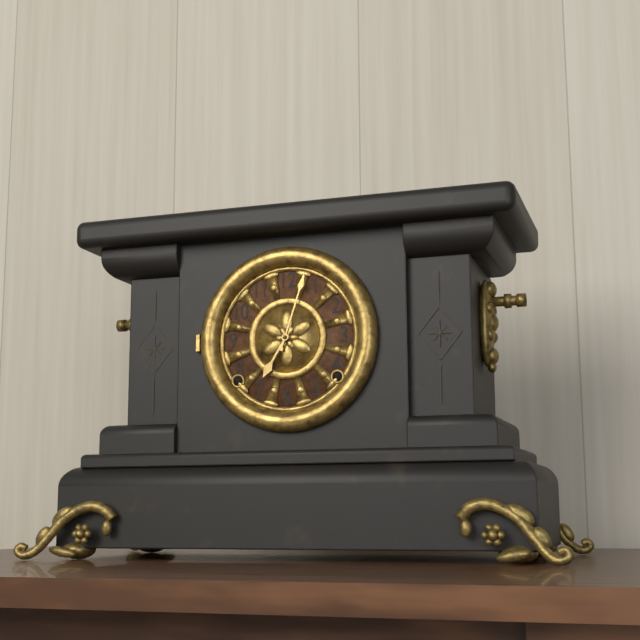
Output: **7:03**
